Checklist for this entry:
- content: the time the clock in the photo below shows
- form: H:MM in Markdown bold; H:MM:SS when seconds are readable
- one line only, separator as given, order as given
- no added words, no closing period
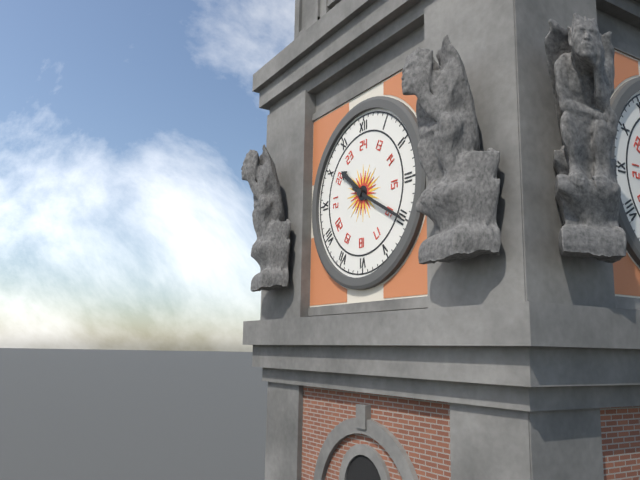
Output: **10:20**
